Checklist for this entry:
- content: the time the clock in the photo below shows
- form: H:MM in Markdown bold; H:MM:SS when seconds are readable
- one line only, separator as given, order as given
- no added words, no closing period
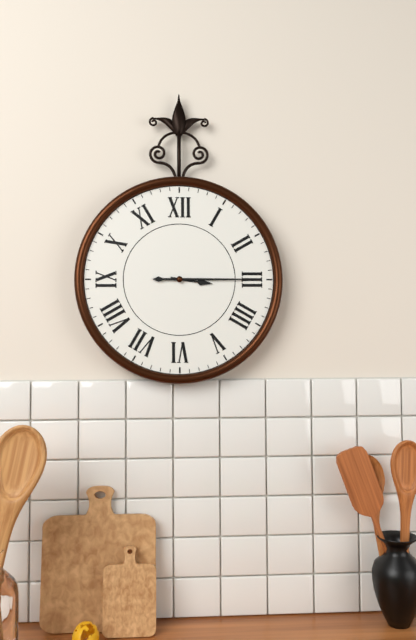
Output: **3:15**
